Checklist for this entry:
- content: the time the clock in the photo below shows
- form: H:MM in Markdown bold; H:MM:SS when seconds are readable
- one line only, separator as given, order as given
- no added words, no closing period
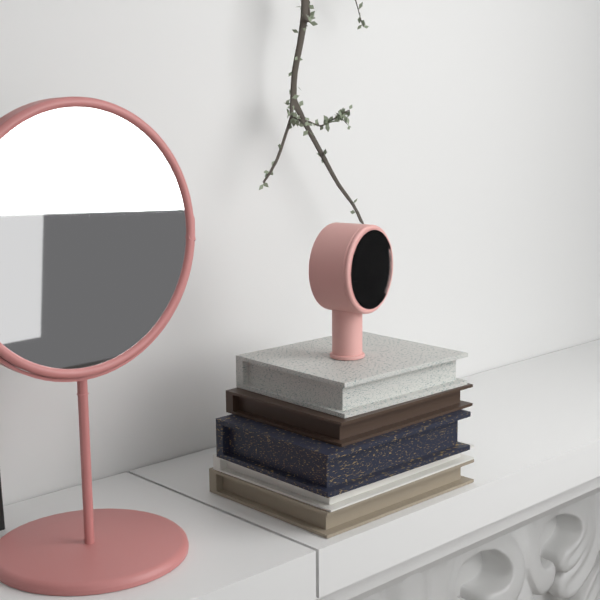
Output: **8:12**
